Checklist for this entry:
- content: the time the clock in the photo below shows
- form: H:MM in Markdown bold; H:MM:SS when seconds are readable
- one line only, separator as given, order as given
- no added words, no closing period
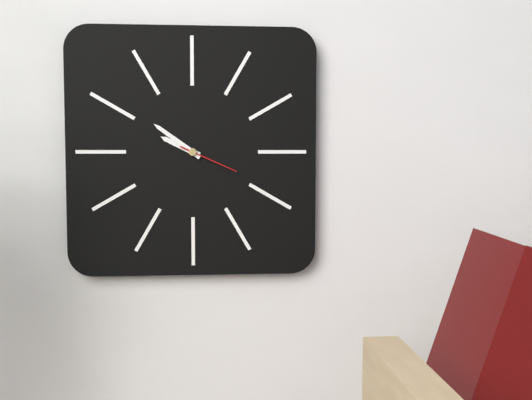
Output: **9:51:19**
